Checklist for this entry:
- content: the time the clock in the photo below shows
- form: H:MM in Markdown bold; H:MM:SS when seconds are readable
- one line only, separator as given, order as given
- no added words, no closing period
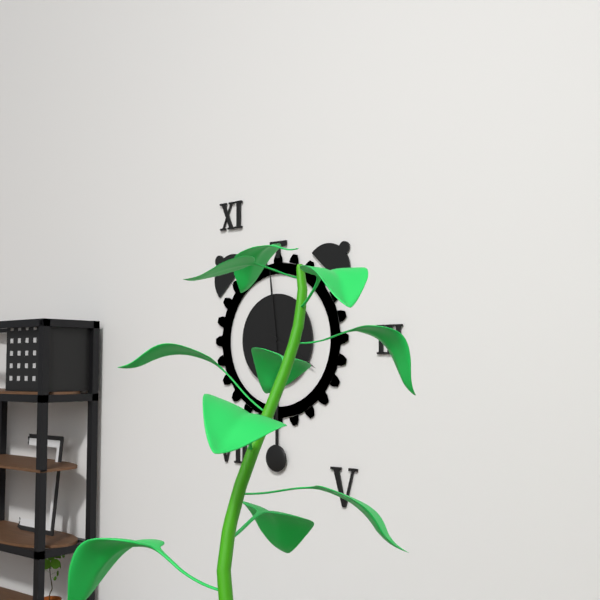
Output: **3:59**
